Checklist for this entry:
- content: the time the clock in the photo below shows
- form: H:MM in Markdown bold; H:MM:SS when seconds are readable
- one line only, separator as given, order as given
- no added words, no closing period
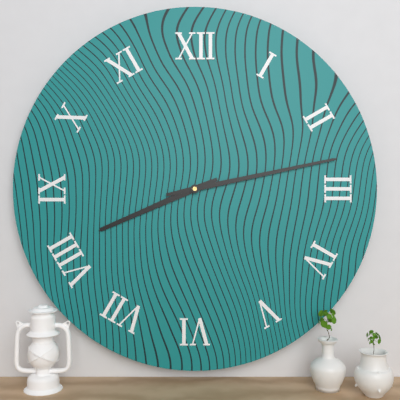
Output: **8:13**
